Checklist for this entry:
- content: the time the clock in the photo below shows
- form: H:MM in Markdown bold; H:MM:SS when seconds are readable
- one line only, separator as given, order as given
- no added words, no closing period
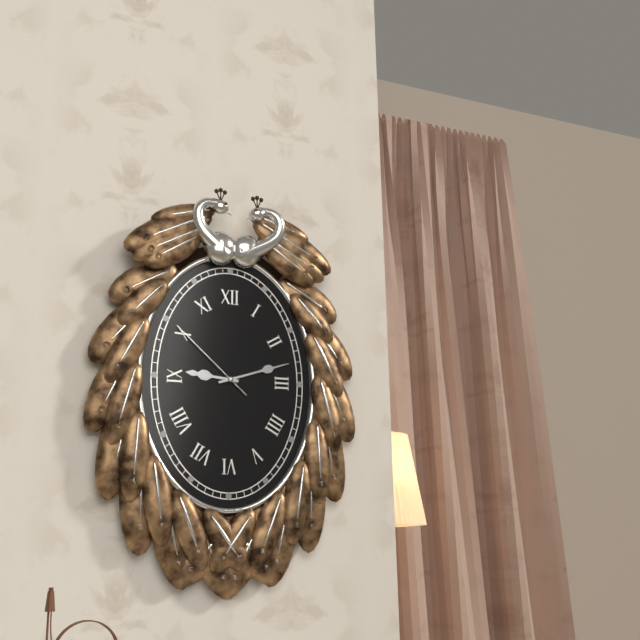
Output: **9:12:52**
